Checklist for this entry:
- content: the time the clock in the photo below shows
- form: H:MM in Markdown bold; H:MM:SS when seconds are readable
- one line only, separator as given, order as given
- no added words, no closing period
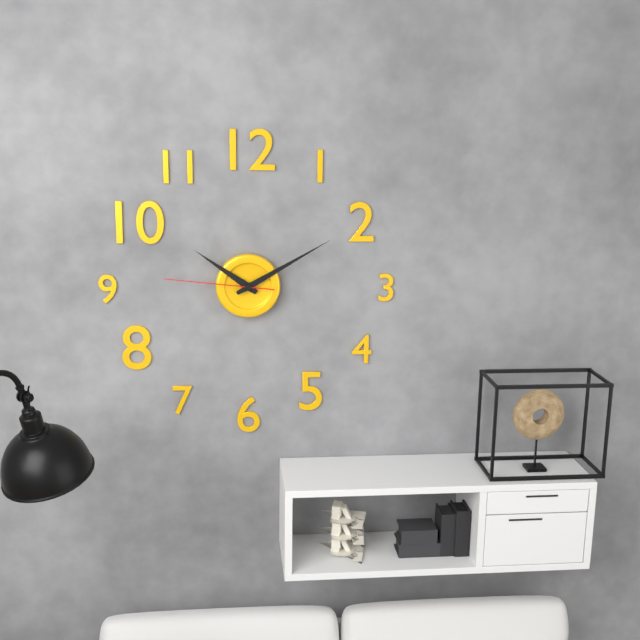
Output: **10:10:46**
